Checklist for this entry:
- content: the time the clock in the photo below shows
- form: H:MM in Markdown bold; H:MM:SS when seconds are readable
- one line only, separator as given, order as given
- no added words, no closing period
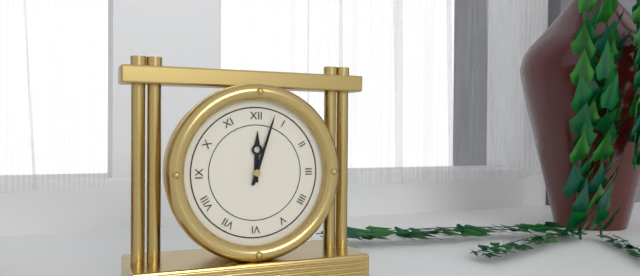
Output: **12:03**
